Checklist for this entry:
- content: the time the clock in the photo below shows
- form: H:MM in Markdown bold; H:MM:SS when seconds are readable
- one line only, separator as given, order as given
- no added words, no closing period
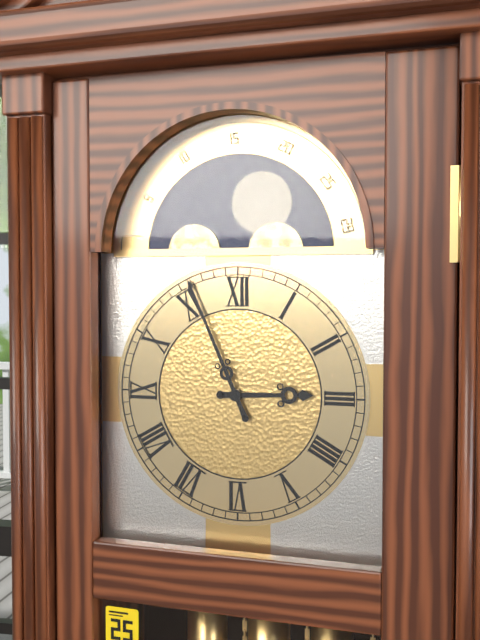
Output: **2:56**
